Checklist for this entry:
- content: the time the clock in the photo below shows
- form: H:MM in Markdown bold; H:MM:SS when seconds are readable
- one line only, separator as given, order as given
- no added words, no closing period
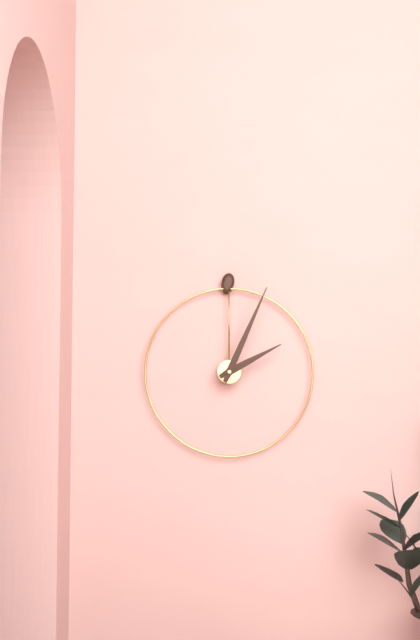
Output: **2:04**
